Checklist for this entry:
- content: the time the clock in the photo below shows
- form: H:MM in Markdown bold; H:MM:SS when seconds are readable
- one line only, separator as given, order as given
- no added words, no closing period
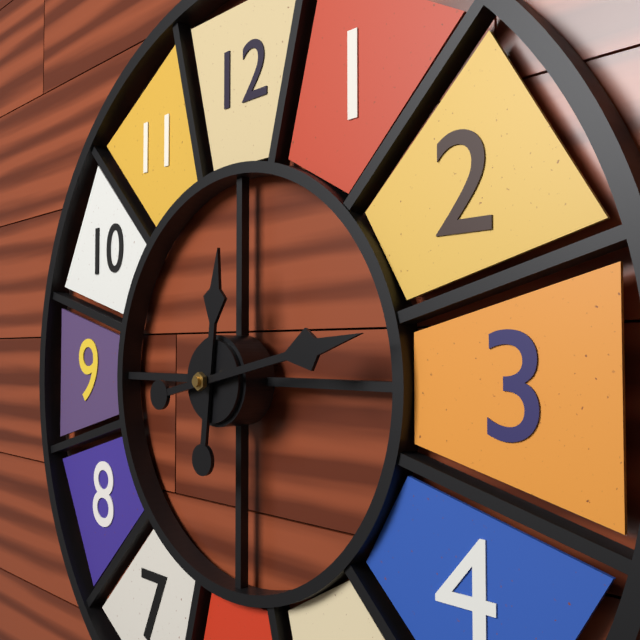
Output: **12:13**
